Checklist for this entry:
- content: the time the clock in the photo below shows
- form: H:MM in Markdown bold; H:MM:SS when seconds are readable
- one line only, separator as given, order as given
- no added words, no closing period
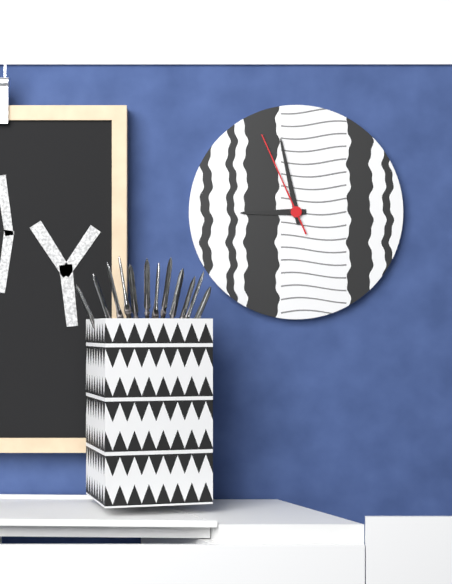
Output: **8:58:56**
